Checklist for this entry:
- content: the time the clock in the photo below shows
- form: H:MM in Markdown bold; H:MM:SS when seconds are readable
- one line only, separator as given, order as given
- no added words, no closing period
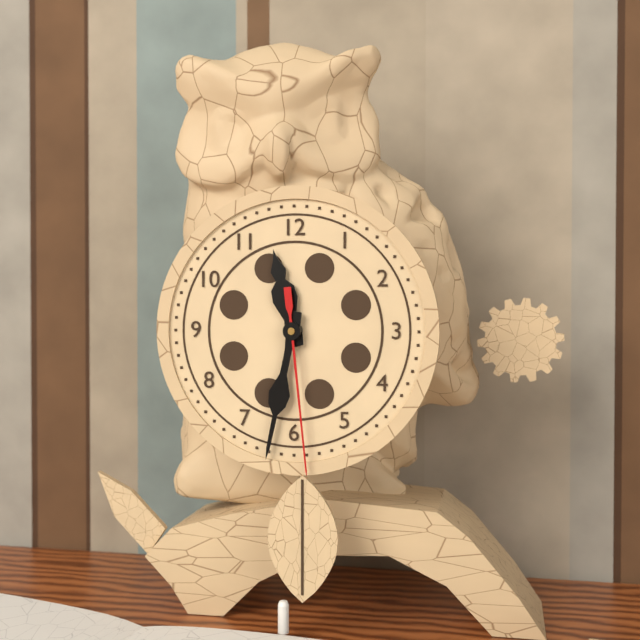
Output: **11:32:29**
